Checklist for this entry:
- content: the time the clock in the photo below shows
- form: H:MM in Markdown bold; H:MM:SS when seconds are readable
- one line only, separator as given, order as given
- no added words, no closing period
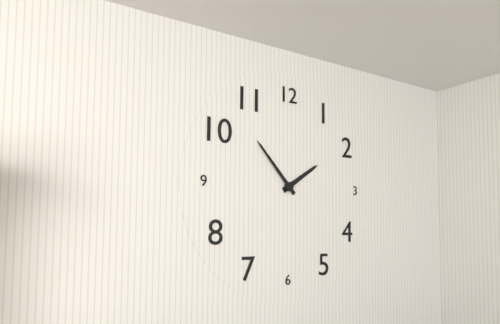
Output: **1:53**
